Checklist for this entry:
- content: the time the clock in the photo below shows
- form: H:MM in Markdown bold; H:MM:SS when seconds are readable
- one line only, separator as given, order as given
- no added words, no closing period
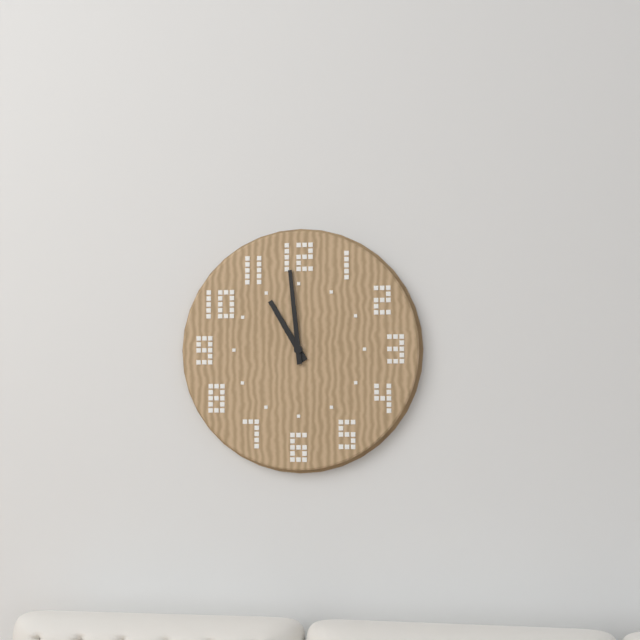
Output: **10:59**
